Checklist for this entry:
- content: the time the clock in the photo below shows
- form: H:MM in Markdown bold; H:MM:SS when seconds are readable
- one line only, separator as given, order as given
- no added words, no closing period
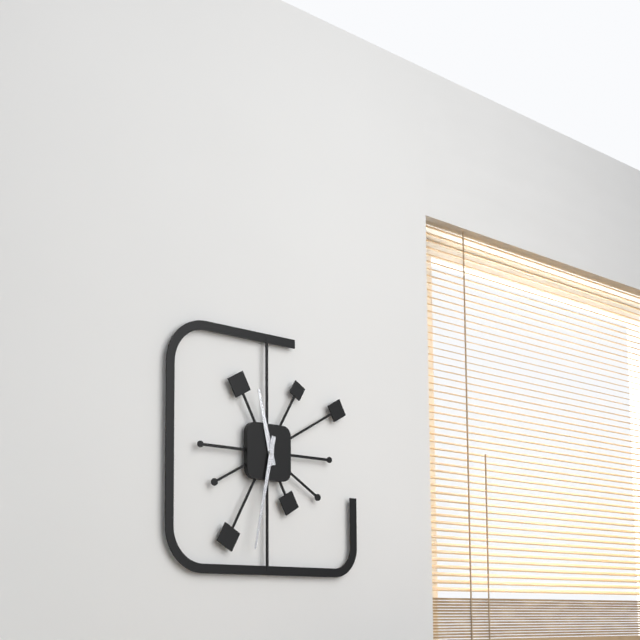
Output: **11:32**
